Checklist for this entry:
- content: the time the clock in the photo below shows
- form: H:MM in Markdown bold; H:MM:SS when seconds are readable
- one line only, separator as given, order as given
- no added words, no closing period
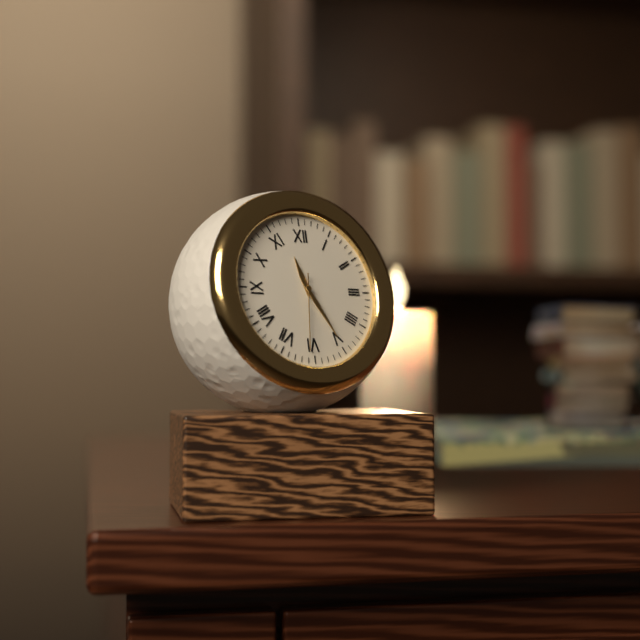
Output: **11:25:31**
